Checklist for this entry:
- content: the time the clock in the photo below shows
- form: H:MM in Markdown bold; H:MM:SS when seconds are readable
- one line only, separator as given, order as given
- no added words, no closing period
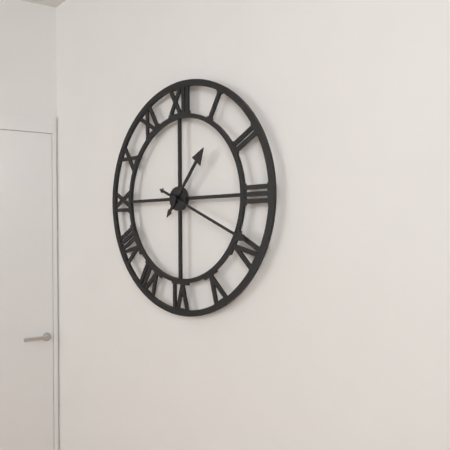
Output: **1:19**
